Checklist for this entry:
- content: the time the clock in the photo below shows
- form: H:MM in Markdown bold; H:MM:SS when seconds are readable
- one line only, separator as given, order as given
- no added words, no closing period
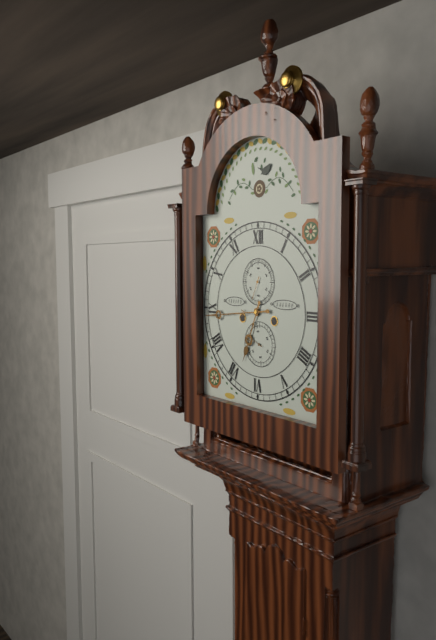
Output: **6:44**
